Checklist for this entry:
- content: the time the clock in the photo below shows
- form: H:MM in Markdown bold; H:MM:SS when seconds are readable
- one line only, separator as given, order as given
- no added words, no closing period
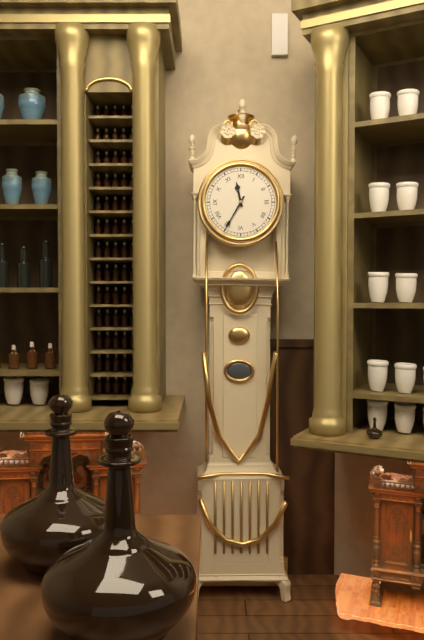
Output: **11:35**
